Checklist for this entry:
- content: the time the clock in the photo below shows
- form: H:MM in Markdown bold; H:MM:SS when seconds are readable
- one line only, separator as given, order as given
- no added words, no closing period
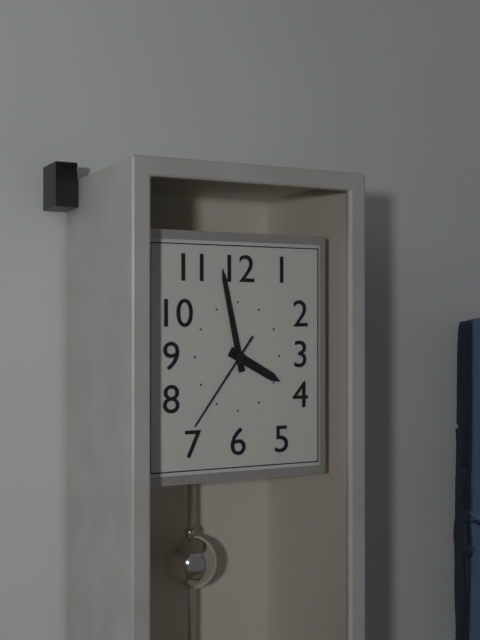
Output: **3:58:36**
